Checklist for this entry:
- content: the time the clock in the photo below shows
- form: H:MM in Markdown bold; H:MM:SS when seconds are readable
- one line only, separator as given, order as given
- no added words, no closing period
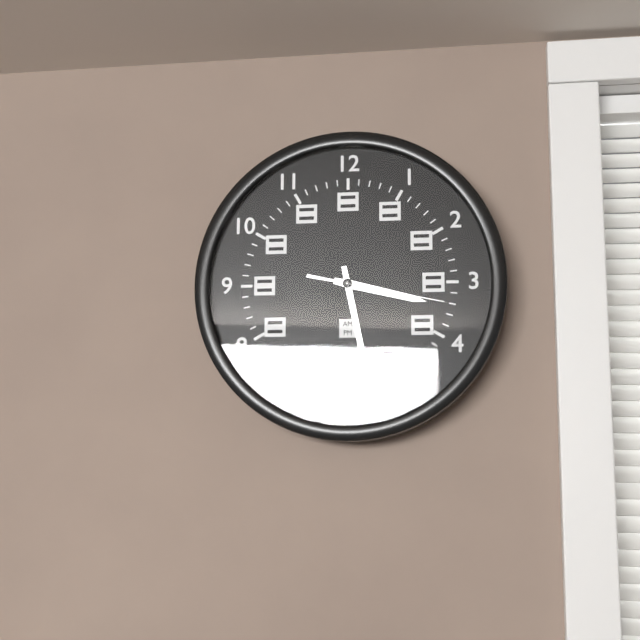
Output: **3:28:17**
